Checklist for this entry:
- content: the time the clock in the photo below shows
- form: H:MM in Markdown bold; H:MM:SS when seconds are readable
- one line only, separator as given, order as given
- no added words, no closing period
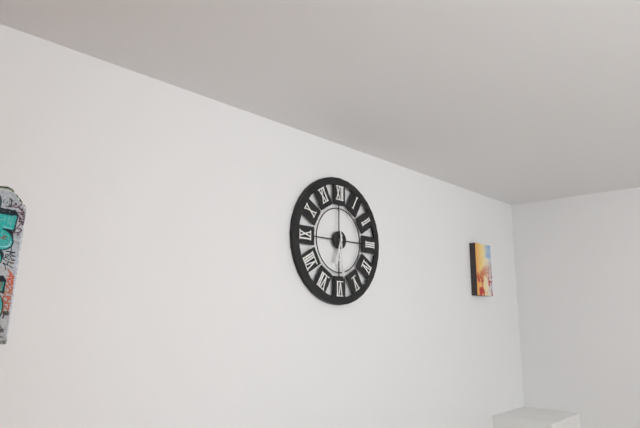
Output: **6:29**
